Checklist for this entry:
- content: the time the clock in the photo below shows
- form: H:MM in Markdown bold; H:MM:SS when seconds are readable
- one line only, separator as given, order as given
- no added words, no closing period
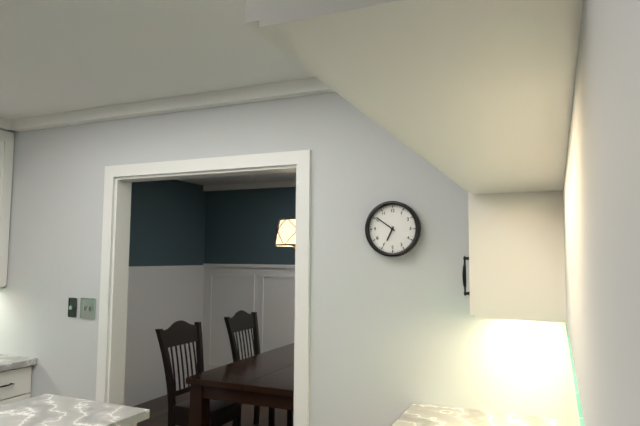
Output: **6:51**
